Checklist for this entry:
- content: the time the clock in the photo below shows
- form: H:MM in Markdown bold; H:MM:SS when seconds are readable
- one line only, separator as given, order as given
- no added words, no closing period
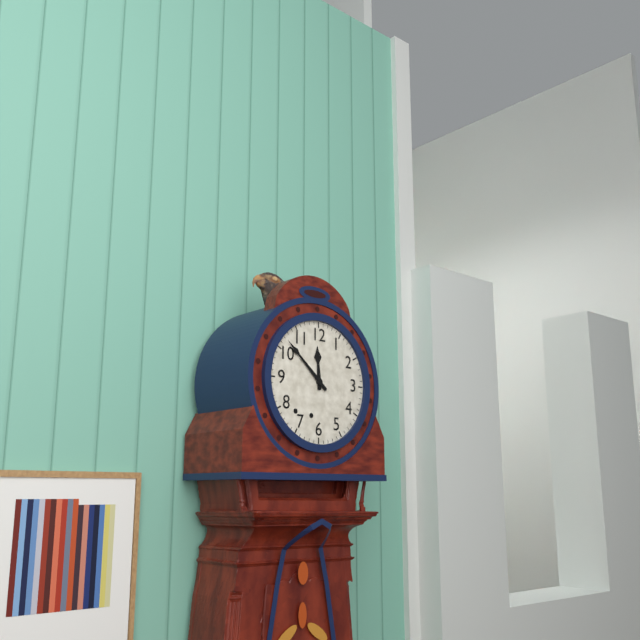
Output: **11:52**
